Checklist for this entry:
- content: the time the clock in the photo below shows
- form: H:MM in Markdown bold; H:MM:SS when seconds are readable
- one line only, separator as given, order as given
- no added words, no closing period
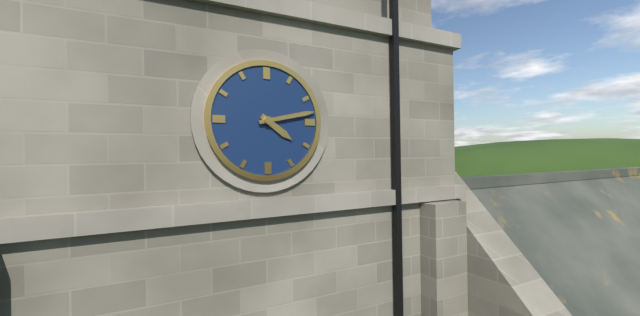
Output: **4:13**
